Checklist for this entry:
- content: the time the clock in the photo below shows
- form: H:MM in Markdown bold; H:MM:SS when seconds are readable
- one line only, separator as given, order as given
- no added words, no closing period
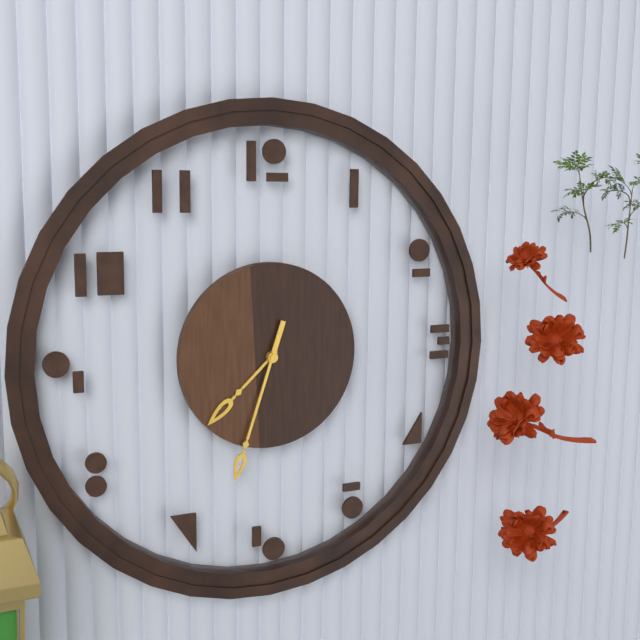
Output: **7:33**
